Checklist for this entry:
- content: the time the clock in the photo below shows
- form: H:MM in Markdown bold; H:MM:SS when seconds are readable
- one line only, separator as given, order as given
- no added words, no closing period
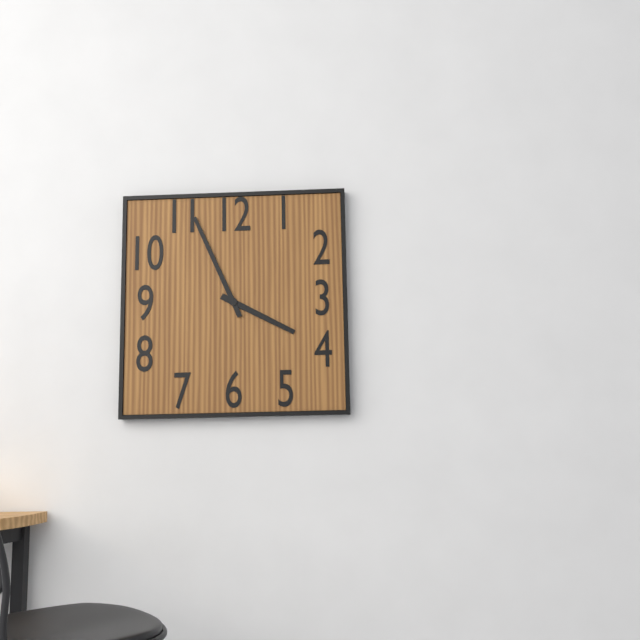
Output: **3:56**
